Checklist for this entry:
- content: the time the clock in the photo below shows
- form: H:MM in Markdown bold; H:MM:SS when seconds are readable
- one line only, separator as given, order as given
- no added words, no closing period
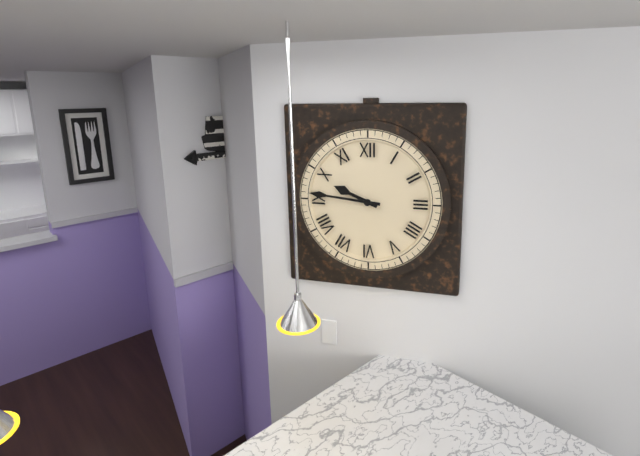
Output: **9:46**
